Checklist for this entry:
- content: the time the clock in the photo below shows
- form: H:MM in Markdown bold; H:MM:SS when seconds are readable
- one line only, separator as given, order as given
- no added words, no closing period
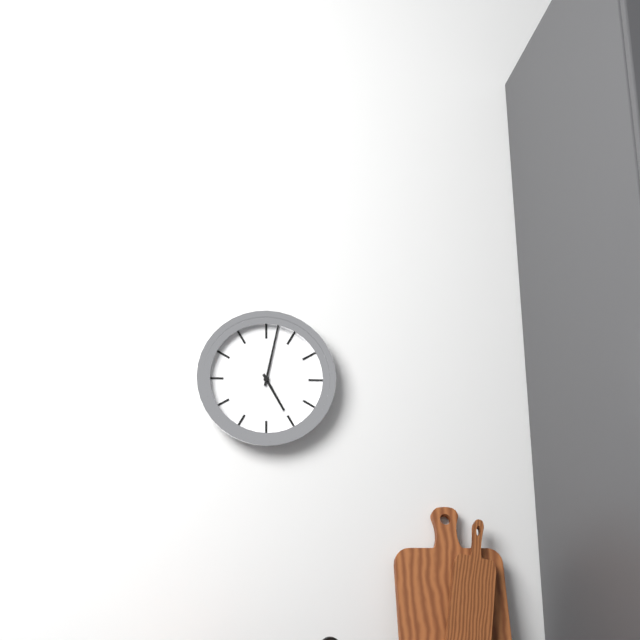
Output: **5:02**
